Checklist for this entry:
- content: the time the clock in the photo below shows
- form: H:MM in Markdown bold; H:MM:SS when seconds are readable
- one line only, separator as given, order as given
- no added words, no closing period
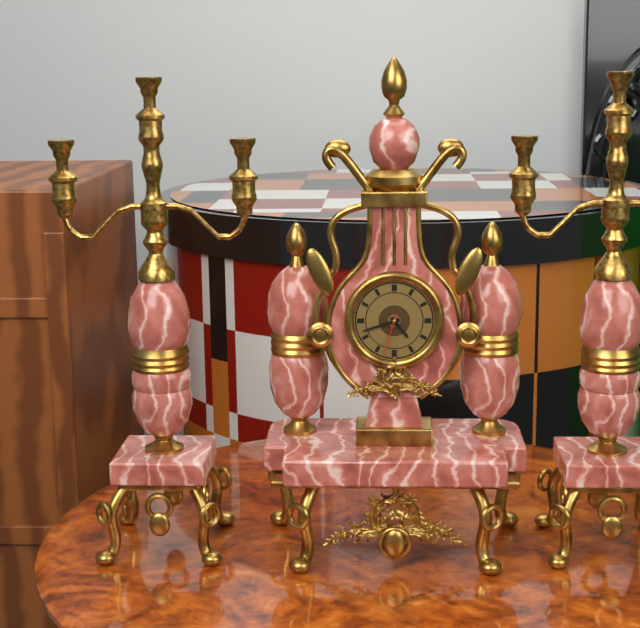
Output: **4:42**
